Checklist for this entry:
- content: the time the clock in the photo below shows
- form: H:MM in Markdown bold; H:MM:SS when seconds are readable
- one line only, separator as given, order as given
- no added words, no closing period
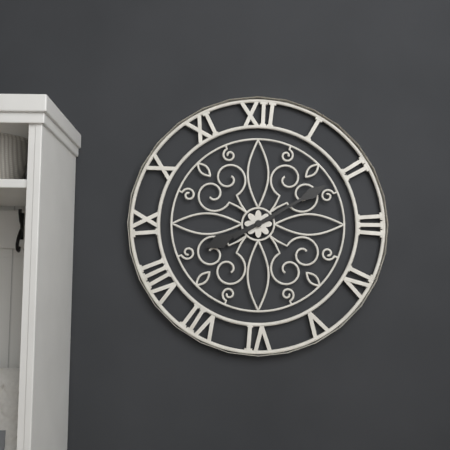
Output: **8:10**
